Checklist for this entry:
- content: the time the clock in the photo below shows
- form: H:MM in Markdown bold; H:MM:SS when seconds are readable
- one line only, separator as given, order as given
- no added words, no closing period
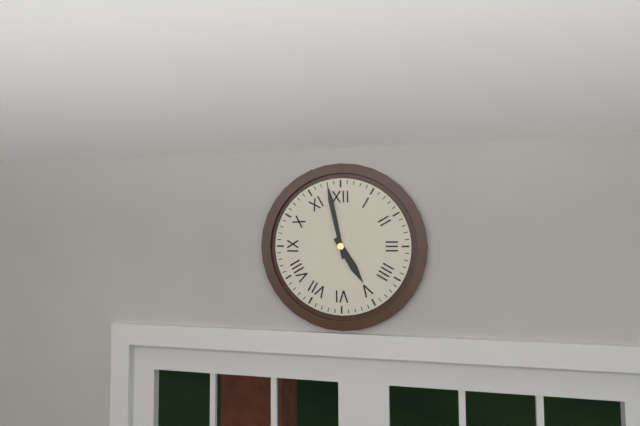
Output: **4:58**
